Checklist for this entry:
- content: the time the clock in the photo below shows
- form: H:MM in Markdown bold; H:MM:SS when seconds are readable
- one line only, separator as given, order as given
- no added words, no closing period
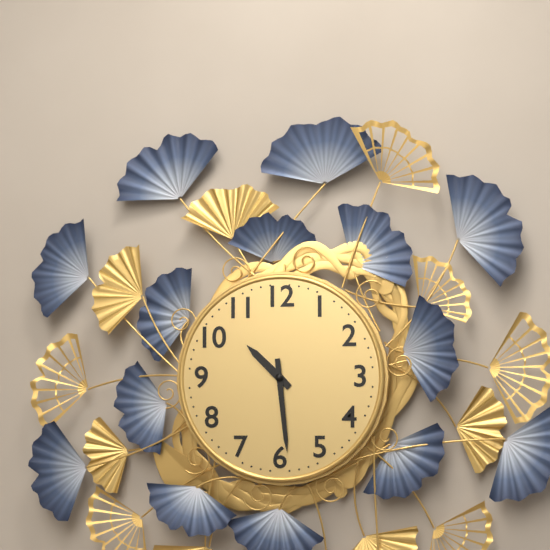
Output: **10:29**
